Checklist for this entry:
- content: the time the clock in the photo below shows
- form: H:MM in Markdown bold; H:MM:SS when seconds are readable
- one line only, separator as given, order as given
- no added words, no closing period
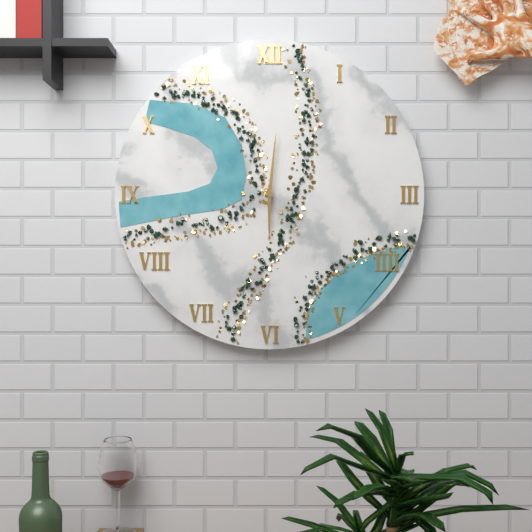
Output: **6:01**
